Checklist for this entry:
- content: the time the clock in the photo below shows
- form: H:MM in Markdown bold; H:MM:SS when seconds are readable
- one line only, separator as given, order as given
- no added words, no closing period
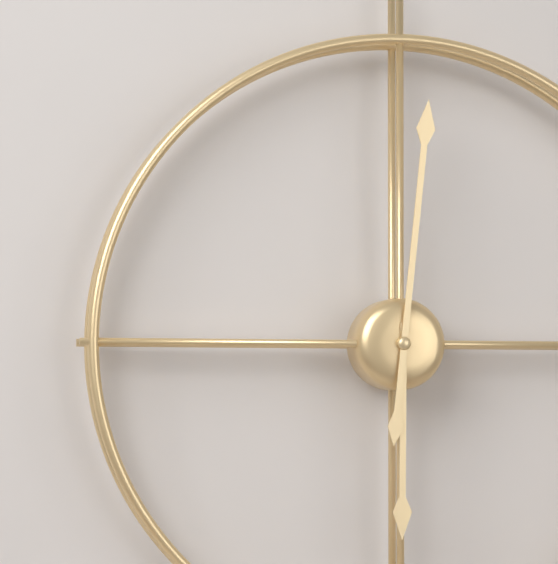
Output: **6:01**
